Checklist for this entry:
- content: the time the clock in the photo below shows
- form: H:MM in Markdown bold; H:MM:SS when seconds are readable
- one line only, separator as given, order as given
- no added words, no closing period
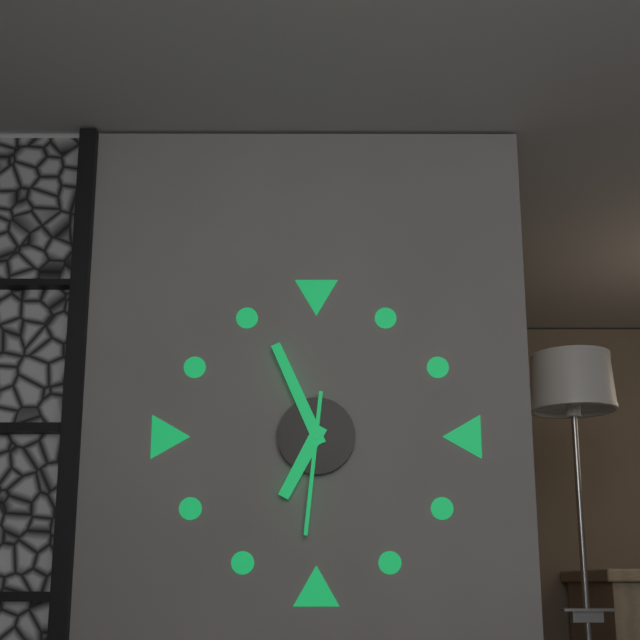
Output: **6:56:31**
